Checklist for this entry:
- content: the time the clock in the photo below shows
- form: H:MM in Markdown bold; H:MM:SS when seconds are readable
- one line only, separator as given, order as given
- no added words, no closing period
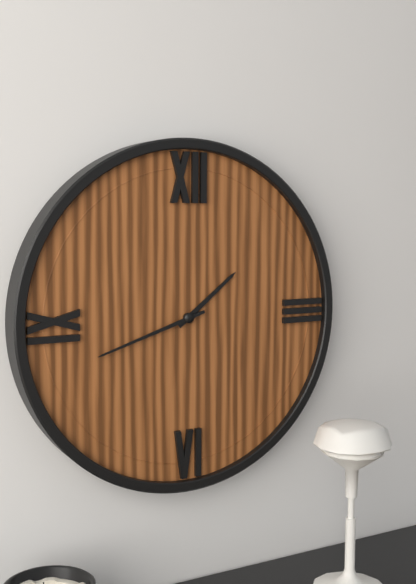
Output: **1:42**
